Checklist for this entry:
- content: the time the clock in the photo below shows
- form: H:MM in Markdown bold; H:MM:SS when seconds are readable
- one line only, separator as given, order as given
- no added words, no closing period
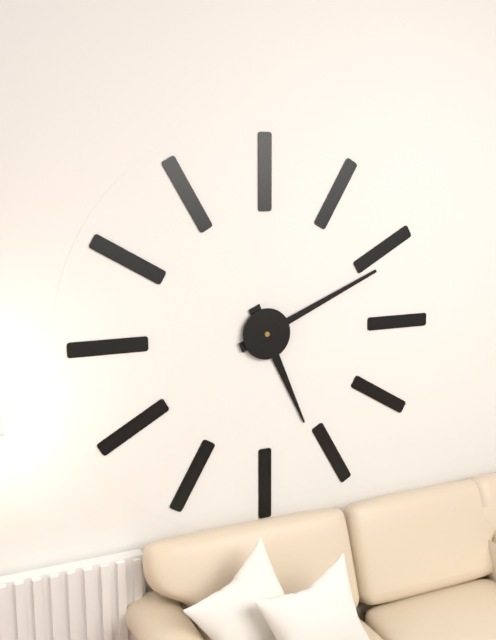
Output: **5:11**
